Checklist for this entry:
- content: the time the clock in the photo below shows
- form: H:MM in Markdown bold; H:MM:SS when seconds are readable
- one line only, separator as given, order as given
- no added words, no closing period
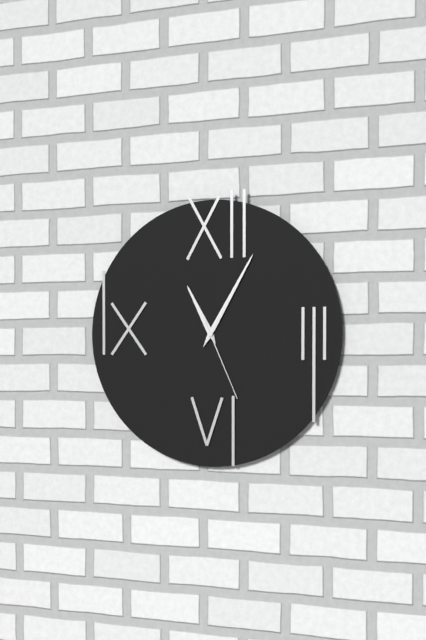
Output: **11:05:26**
